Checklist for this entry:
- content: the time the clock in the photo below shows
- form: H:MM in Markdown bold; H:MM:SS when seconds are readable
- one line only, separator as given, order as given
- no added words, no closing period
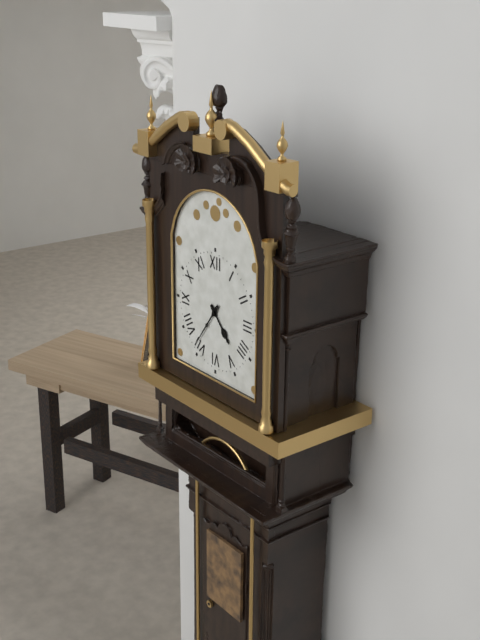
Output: **4:36**
